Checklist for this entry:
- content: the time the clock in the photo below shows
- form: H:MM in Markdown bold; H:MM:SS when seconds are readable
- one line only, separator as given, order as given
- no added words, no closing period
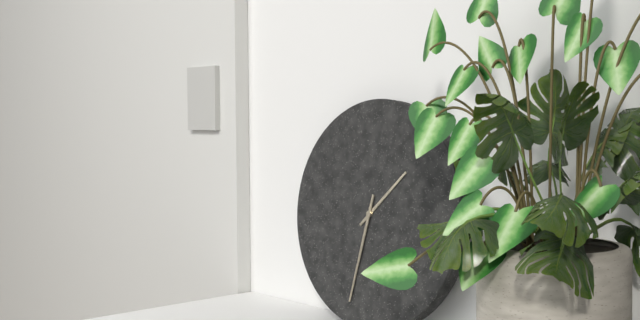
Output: **1:32**
